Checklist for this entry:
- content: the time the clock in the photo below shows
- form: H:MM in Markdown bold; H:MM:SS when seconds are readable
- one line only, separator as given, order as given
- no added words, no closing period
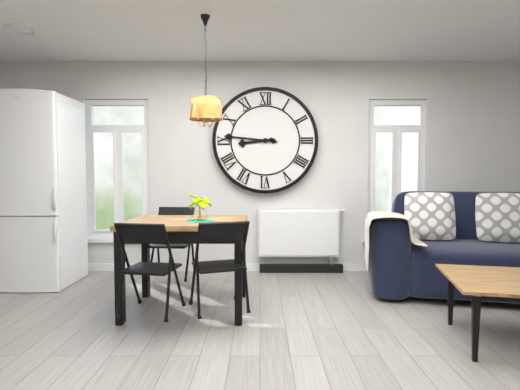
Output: **8:46**
